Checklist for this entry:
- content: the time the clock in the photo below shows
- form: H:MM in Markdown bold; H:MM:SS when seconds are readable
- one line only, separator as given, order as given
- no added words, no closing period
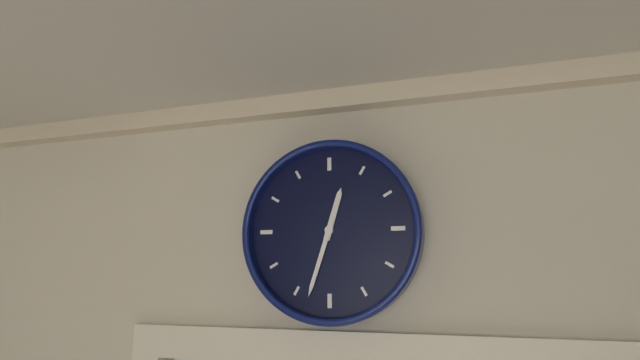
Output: **12:33**
